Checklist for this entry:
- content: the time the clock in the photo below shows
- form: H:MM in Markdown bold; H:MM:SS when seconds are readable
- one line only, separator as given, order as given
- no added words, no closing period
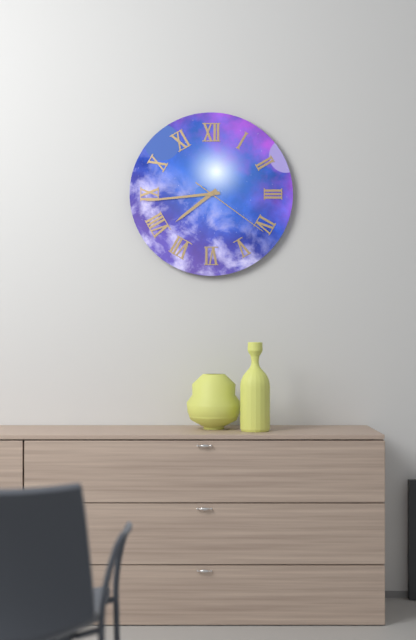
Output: **7:44:21**
